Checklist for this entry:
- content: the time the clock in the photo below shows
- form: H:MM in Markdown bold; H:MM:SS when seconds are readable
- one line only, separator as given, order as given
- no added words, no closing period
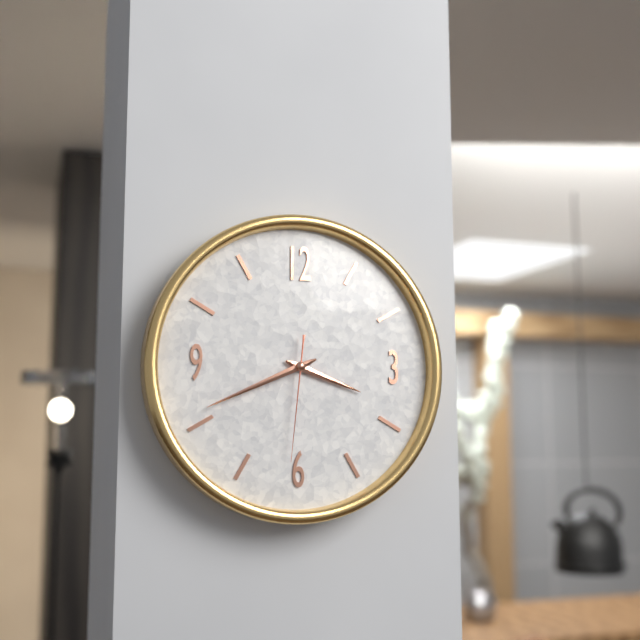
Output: **3:41:31**
